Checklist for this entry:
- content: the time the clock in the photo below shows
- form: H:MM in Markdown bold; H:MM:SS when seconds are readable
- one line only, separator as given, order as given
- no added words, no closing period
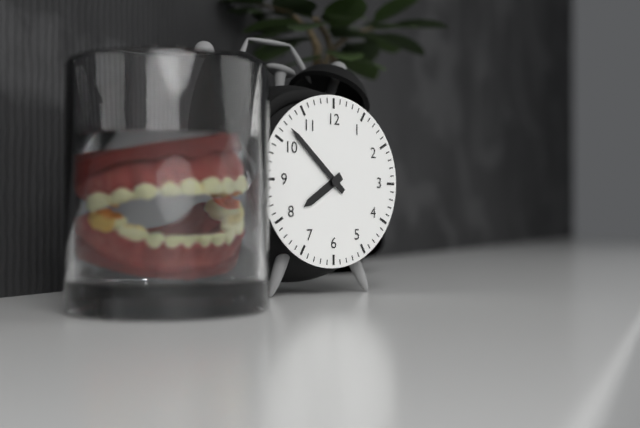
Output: **7:52**
